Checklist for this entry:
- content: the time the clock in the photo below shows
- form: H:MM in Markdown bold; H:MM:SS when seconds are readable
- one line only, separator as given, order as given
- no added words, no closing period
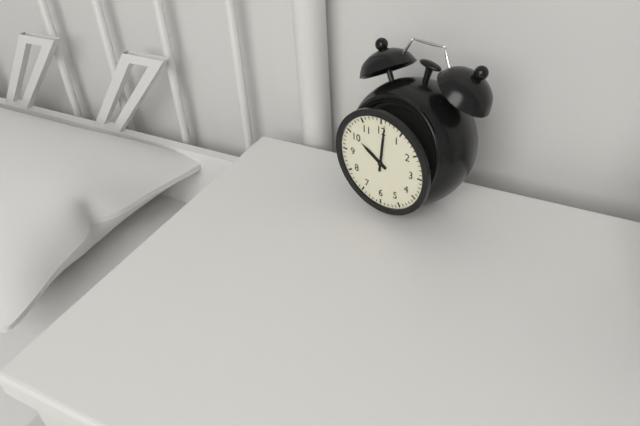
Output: **10:01**
